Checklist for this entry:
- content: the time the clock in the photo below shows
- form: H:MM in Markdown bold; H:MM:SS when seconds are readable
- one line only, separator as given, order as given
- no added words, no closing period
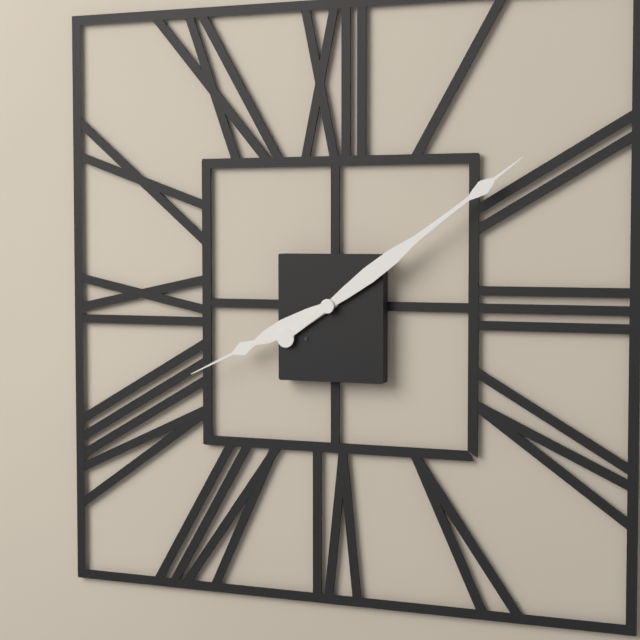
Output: **8:09**
